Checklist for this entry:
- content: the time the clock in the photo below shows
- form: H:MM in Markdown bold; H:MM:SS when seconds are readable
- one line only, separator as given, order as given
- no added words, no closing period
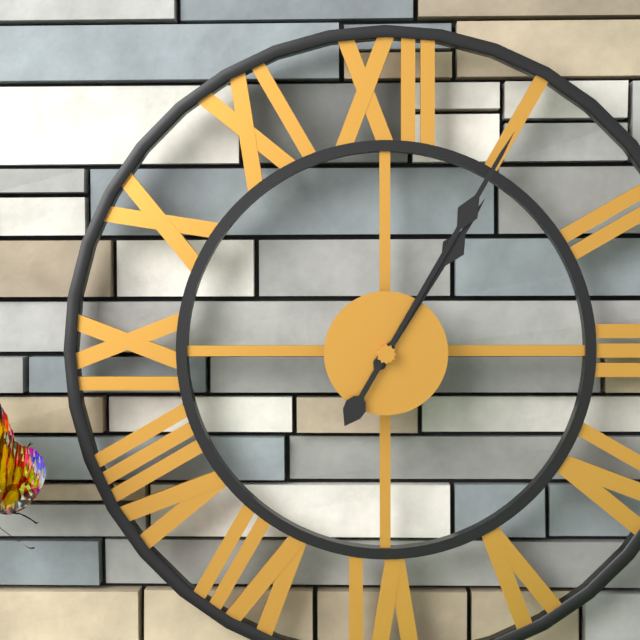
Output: **1:05**
